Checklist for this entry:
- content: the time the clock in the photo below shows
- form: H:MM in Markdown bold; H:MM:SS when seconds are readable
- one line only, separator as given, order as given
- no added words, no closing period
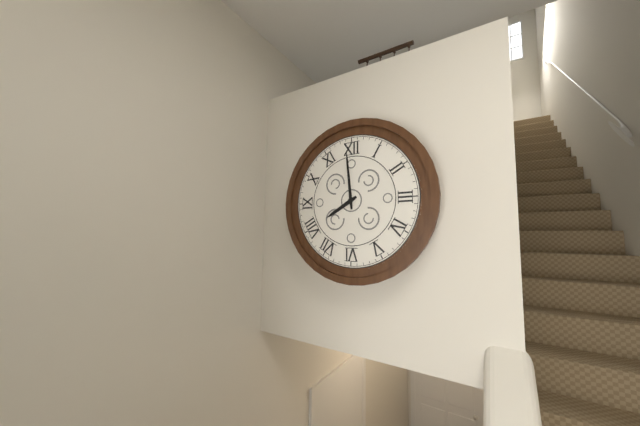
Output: **7:59**
